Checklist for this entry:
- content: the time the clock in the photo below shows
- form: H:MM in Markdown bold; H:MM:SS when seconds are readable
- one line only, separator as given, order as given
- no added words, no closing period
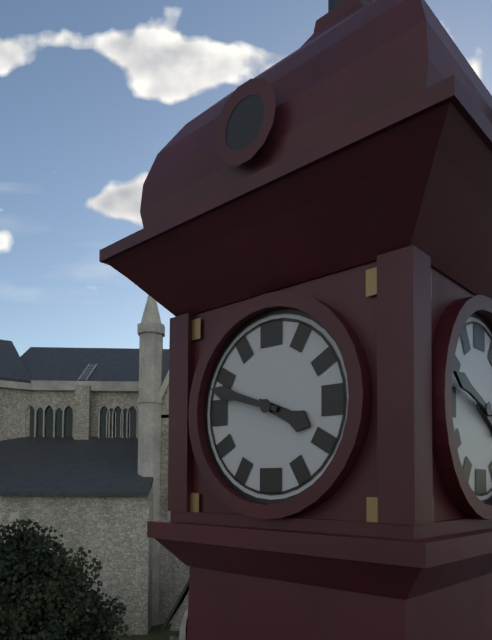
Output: **3:48**
